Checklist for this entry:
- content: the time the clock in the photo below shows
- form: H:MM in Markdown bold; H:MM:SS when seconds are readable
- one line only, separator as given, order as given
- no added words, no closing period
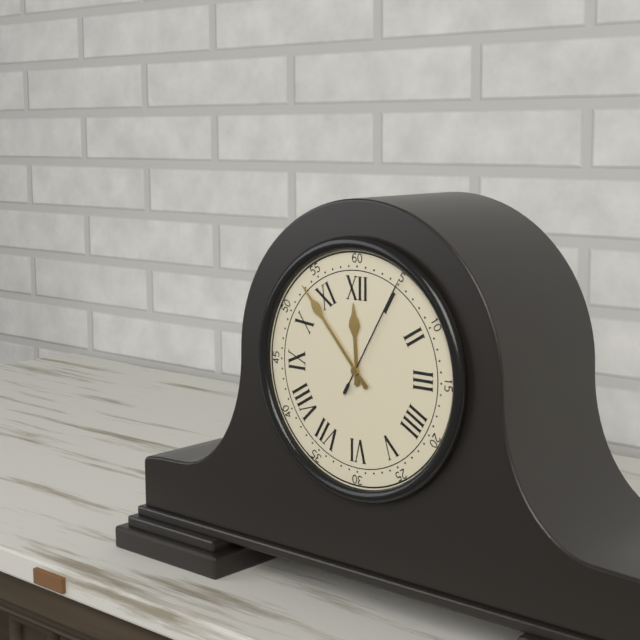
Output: **11:53:05**
